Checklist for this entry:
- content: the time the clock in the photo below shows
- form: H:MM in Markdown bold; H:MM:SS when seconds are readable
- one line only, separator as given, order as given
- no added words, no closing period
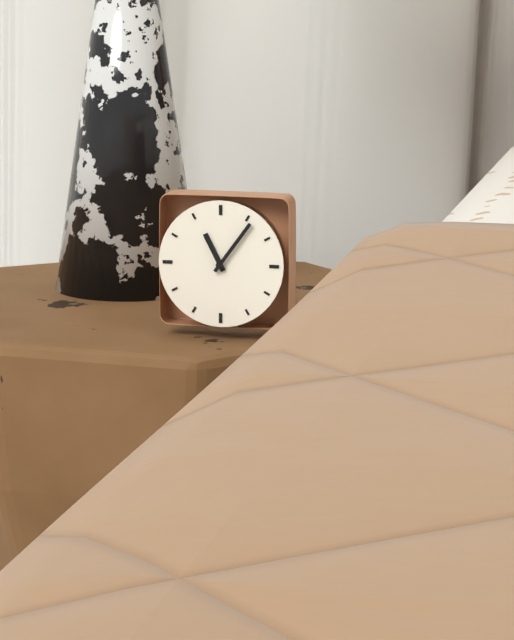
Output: **11:06**
